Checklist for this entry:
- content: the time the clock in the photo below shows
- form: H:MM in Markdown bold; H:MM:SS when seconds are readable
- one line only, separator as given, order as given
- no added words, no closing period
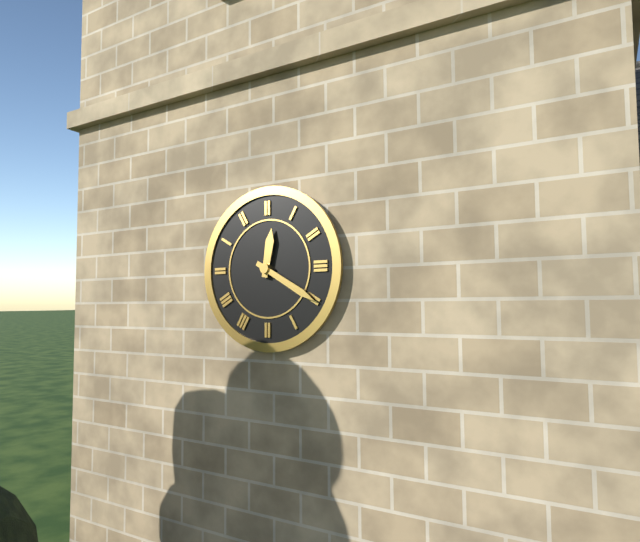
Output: **12:20**
